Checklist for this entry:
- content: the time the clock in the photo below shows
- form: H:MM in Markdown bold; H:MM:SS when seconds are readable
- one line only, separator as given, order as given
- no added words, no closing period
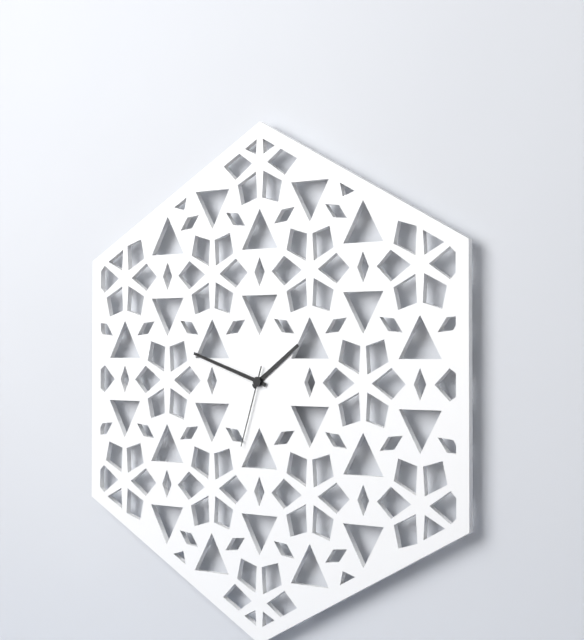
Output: **1:48:33**
